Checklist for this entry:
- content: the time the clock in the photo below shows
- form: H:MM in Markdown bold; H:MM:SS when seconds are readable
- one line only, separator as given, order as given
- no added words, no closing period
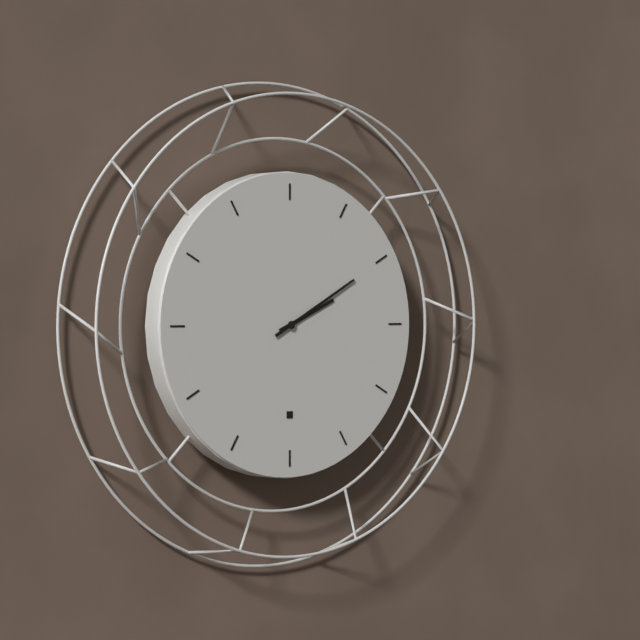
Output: **2:10**
